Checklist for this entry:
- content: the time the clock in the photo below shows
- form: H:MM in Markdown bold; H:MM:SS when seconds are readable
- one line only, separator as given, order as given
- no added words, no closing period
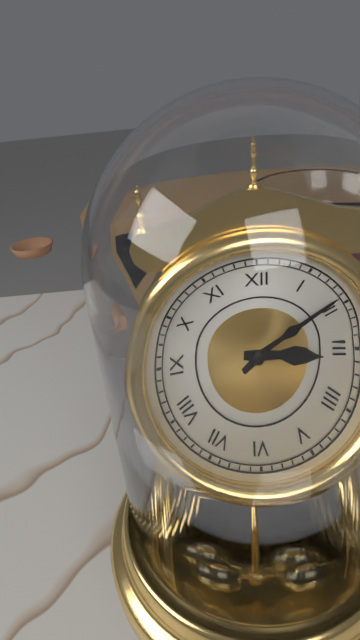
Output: **3:09**
